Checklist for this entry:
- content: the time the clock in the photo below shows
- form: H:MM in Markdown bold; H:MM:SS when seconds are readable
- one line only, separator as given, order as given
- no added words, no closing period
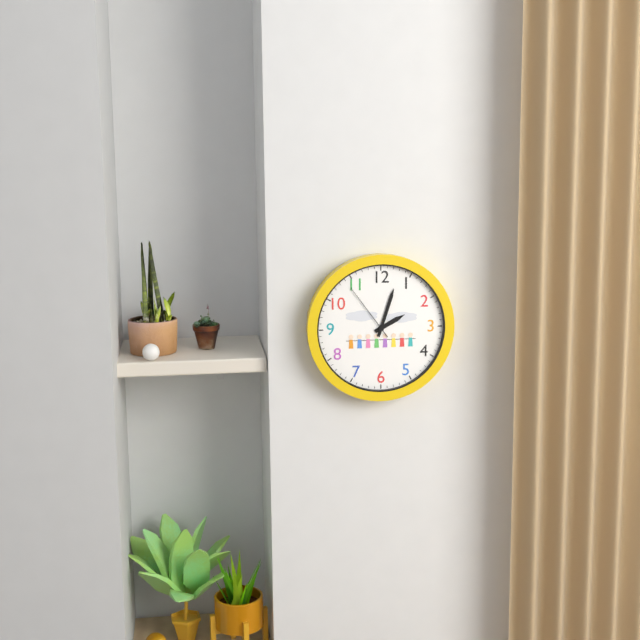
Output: **2:03:54**
